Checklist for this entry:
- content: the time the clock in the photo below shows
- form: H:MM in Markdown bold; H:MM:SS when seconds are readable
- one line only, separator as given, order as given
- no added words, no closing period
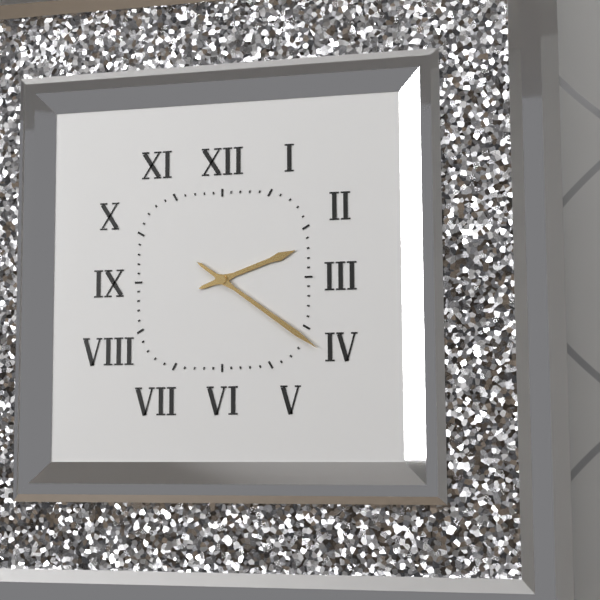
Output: **2:21**
